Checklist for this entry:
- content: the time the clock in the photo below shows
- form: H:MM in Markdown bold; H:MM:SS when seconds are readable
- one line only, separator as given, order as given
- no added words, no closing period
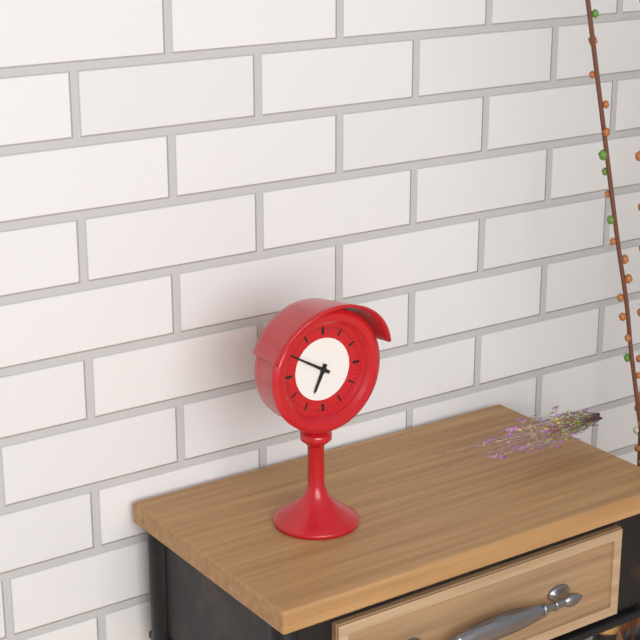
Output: **6:50**
